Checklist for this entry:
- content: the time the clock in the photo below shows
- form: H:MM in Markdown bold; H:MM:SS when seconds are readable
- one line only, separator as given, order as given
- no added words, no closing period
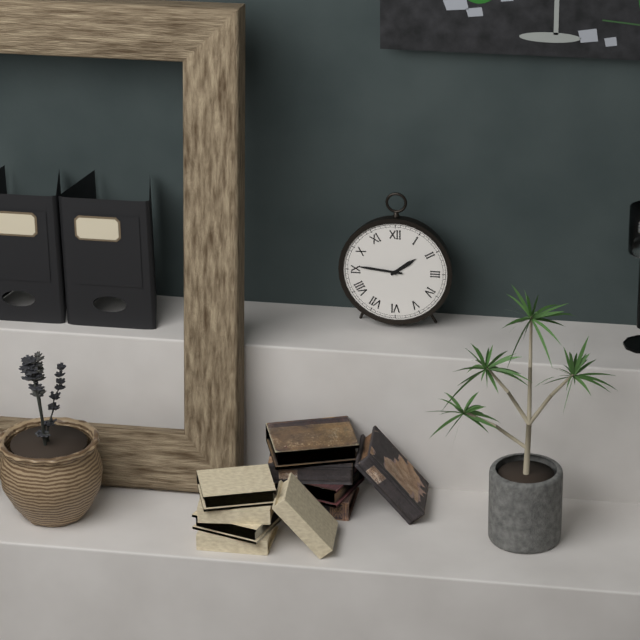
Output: **1:46**
